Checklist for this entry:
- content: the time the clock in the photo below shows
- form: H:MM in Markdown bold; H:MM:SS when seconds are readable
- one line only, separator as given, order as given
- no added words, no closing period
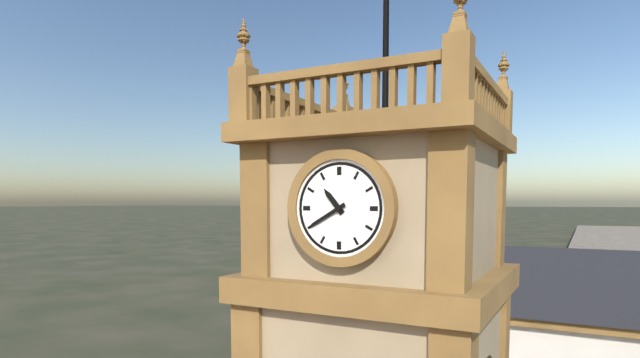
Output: **10:40**
